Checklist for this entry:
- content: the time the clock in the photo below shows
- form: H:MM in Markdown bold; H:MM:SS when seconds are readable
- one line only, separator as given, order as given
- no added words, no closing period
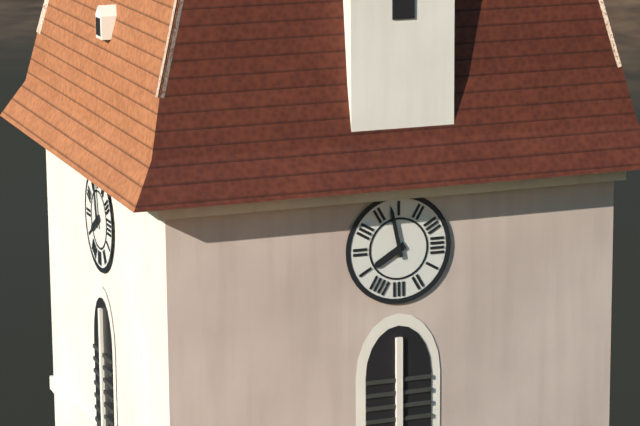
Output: **7:58**
